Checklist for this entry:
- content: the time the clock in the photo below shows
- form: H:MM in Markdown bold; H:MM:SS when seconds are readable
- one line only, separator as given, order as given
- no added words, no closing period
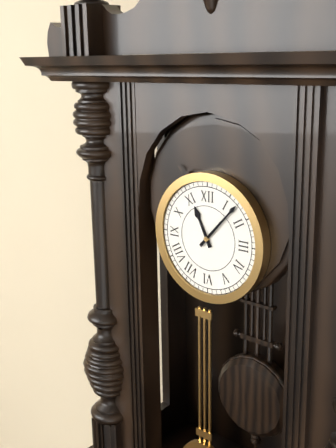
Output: **11:07**
